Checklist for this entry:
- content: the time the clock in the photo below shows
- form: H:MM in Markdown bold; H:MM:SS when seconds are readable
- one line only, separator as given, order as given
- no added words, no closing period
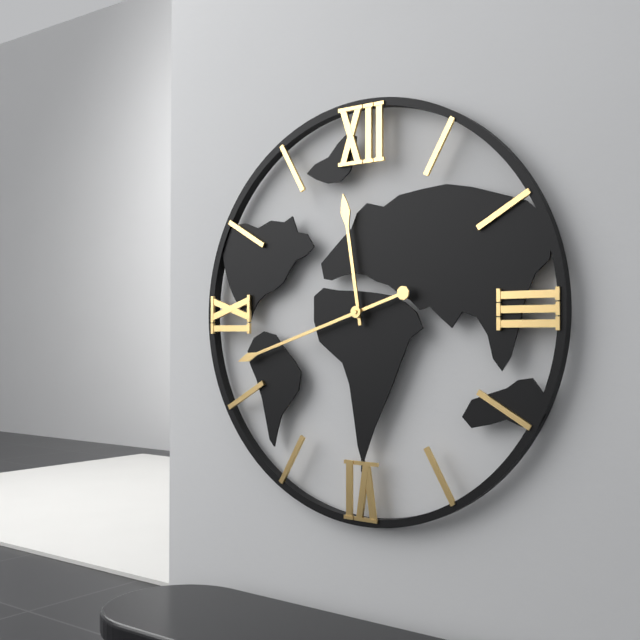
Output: **11:42**
